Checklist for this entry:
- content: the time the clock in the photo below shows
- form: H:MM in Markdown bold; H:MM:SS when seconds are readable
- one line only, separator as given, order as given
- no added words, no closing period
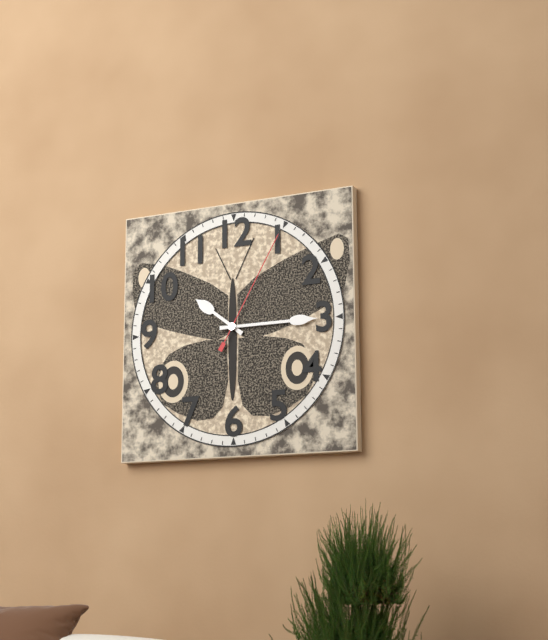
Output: **10:15:05**
